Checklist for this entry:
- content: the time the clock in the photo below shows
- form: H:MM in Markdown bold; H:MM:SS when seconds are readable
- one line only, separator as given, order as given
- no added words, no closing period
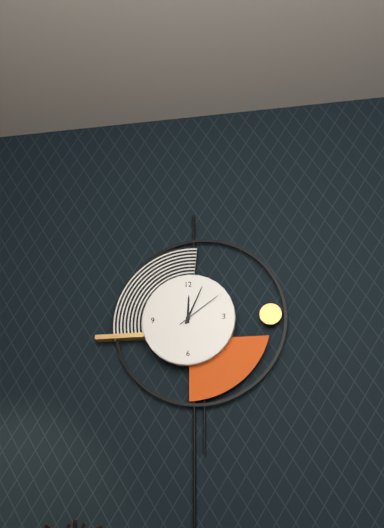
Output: **12:04**
